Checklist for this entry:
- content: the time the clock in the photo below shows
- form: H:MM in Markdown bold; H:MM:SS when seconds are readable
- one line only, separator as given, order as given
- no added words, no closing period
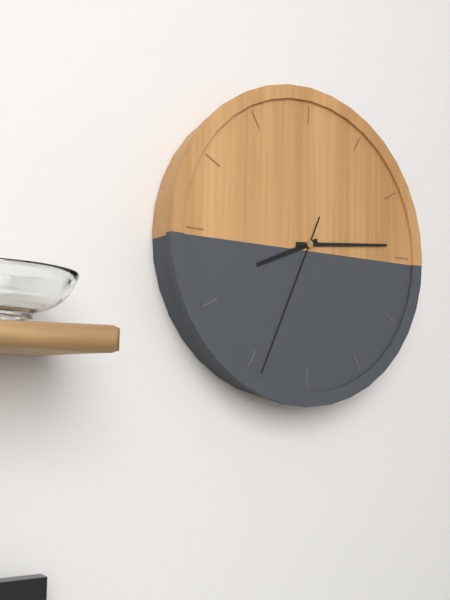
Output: **8:14:34**
